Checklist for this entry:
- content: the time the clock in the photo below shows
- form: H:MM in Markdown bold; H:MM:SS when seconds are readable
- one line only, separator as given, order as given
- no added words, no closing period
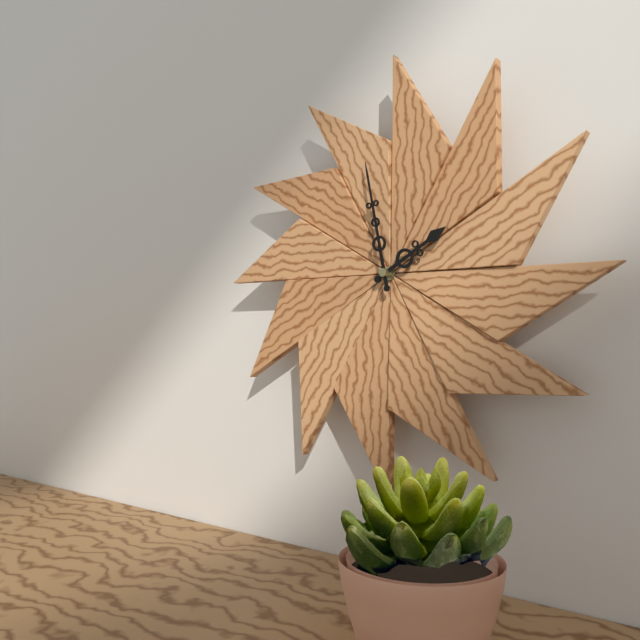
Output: **1:58**
